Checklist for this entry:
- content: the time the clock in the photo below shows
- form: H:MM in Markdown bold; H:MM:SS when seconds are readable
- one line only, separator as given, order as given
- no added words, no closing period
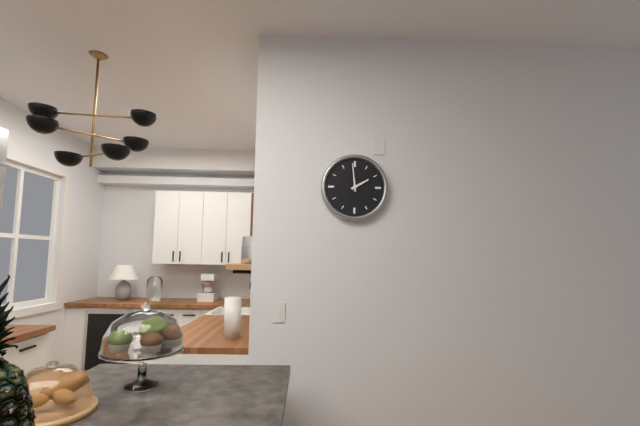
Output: **1:59**
